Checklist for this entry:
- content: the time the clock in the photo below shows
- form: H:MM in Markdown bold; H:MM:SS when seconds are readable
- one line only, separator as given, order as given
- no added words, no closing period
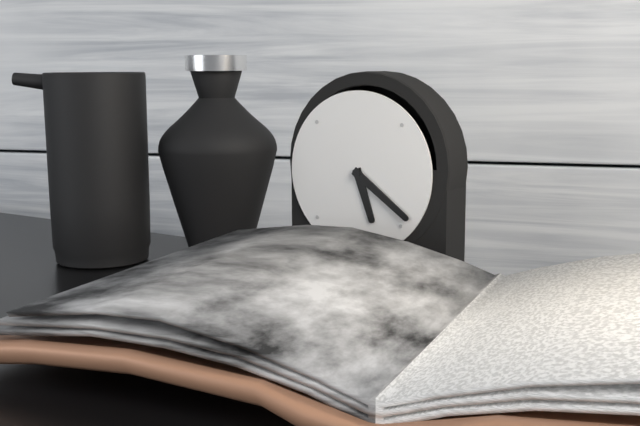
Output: **5:21**
